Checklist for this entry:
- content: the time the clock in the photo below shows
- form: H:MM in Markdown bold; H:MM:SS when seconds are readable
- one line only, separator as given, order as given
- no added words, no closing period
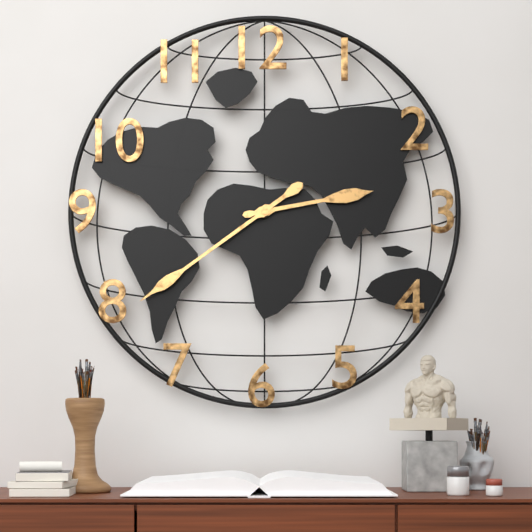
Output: **2:39**
